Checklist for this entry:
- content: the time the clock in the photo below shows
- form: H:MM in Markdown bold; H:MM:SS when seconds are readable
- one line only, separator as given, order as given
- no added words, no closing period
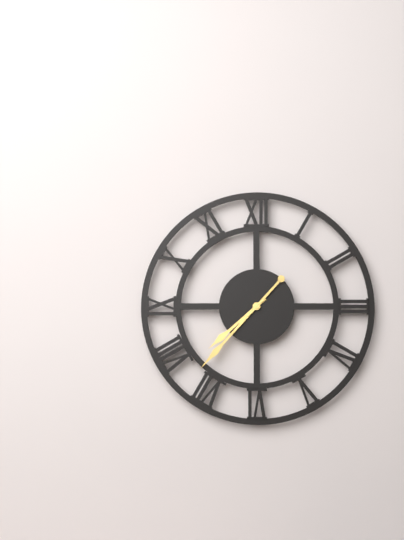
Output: **7:37**
